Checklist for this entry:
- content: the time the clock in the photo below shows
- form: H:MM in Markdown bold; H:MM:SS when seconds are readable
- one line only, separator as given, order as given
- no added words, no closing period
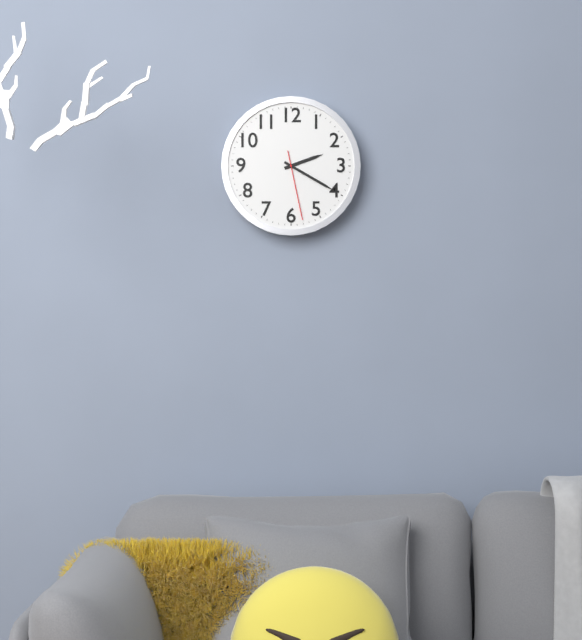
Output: **2:20:28**
